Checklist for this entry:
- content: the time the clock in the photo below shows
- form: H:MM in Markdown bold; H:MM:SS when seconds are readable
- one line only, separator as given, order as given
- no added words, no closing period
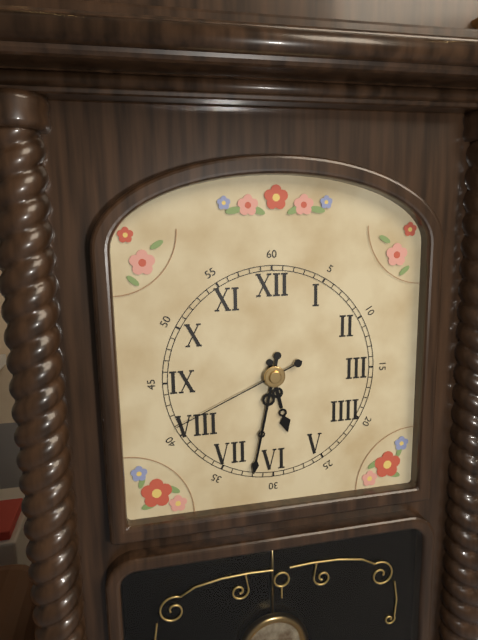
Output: **5:32:41**
